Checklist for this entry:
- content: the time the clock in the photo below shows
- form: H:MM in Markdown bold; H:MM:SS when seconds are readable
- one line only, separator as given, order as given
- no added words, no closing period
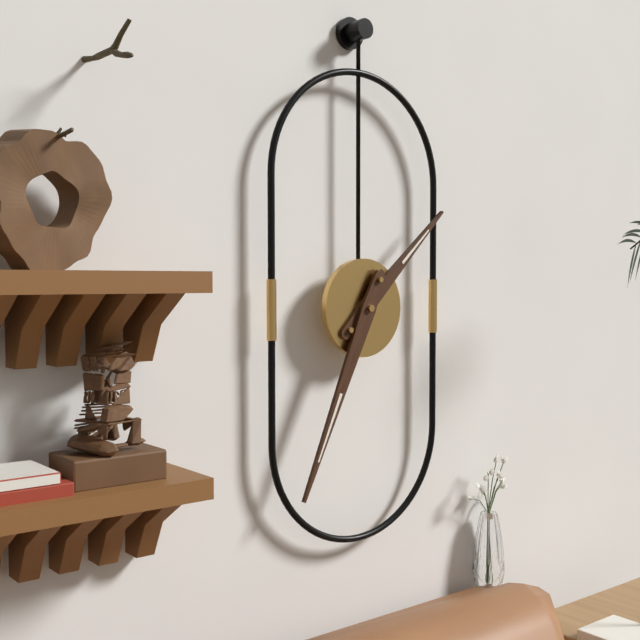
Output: **1:34**
